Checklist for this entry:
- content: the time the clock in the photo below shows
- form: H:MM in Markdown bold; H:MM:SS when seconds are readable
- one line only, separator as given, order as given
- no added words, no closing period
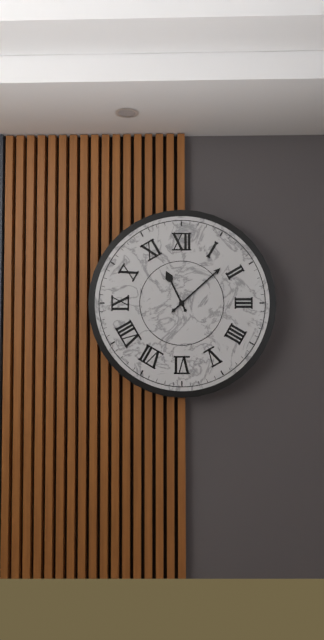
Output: **11:08**
